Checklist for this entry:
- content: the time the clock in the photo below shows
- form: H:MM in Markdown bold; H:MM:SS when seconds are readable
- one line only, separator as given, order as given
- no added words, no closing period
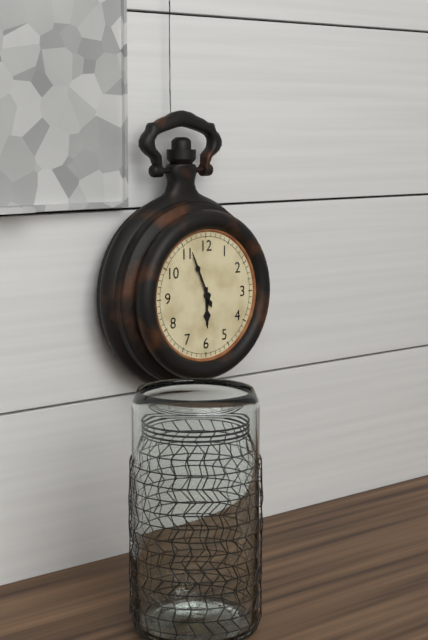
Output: **5:56**
